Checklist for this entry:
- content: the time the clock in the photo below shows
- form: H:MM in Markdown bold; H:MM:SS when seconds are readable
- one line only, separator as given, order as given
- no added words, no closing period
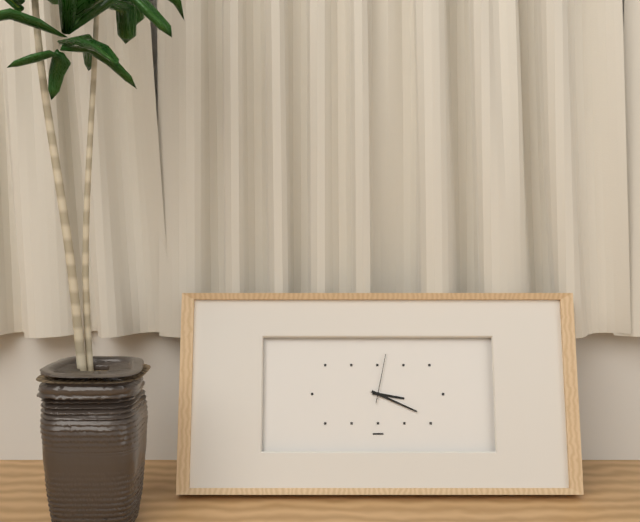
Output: **3:19:02**
